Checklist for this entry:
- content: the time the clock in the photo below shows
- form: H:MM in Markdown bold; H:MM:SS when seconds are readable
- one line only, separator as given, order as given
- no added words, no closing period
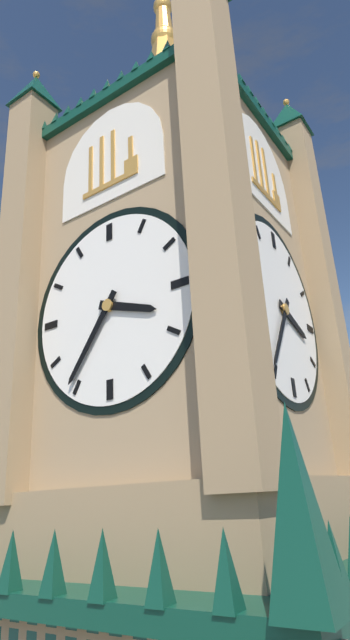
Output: **3:36**
